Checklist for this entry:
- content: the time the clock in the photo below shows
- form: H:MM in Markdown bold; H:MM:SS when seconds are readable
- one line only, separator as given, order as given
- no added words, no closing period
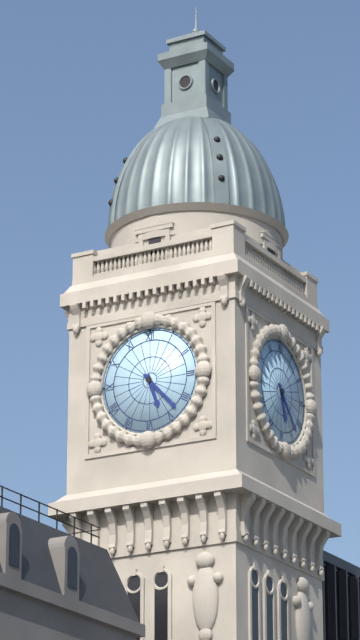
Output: **5:23**
